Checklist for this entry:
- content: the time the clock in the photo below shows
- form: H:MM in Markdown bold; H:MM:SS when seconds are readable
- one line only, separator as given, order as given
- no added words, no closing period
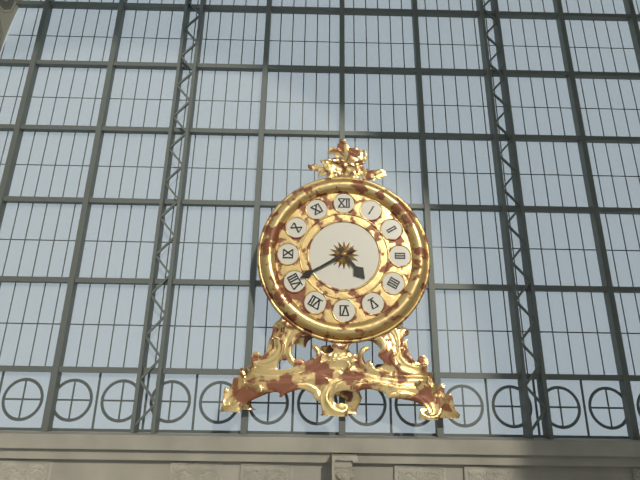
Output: **4:40**
